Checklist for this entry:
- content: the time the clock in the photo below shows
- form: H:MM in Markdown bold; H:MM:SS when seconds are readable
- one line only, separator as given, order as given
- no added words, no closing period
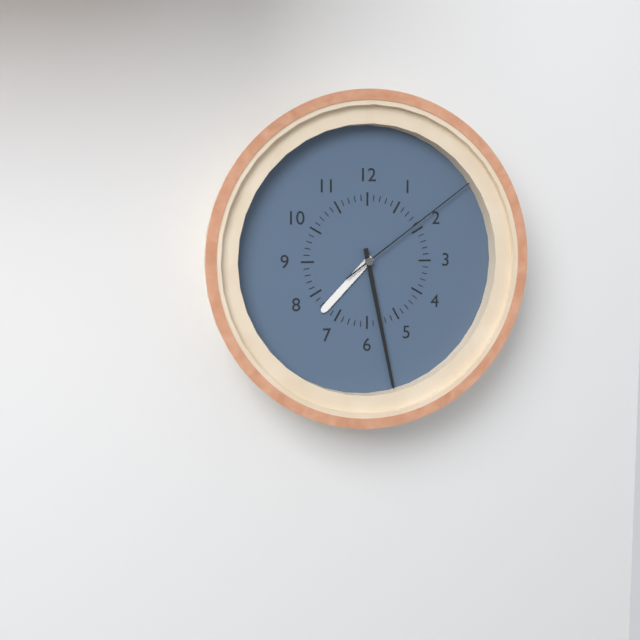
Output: **7:28:09**
